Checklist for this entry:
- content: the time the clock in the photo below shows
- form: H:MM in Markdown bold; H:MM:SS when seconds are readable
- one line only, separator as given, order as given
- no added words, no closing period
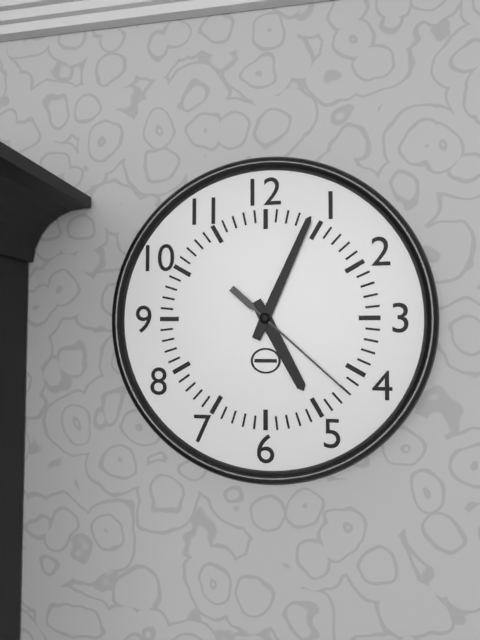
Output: **5:04:22**
